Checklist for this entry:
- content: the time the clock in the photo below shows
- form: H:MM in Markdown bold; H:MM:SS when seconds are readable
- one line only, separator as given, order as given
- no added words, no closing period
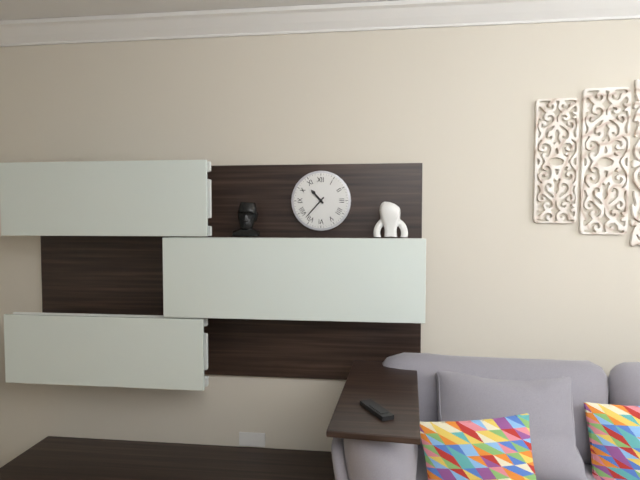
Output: **10:37**
